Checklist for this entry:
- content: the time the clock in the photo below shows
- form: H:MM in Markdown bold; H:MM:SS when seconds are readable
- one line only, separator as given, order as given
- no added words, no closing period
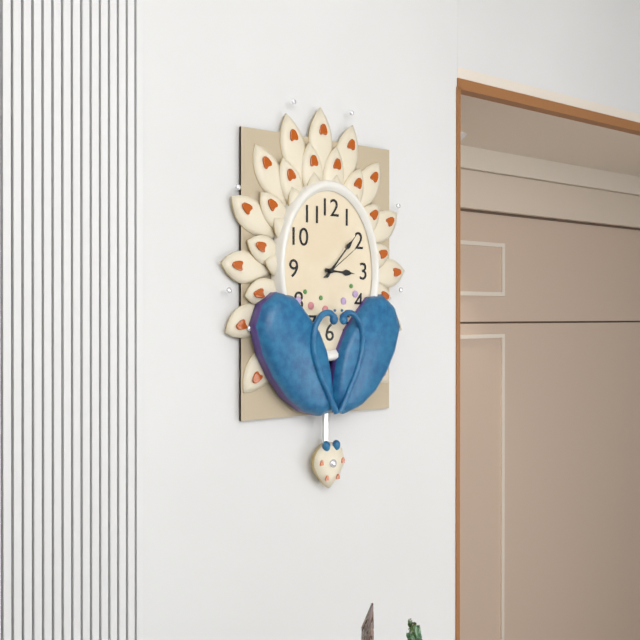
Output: **3:07**
